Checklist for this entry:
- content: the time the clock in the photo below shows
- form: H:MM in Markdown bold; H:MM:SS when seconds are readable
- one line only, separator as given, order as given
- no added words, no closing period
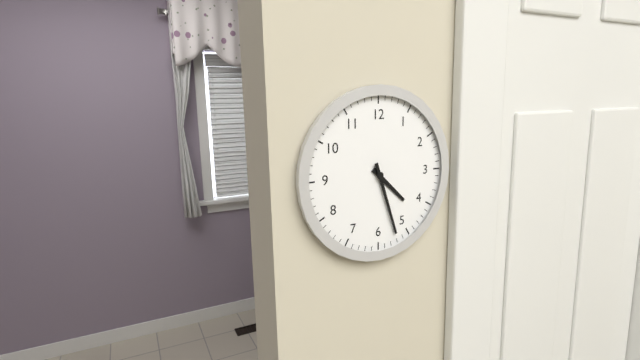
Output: **4:27**
